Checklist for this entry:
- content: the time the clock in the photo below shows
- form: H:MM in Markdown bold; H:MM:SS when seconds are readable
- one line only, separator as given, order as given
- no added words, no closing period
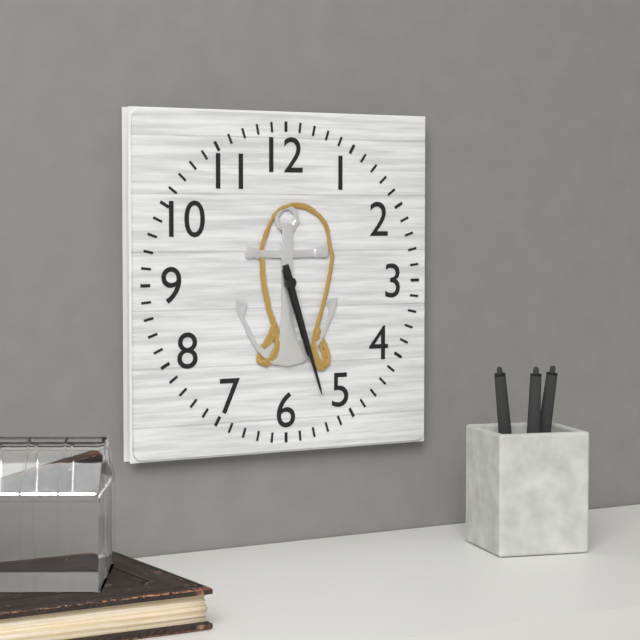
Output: **5:27**
